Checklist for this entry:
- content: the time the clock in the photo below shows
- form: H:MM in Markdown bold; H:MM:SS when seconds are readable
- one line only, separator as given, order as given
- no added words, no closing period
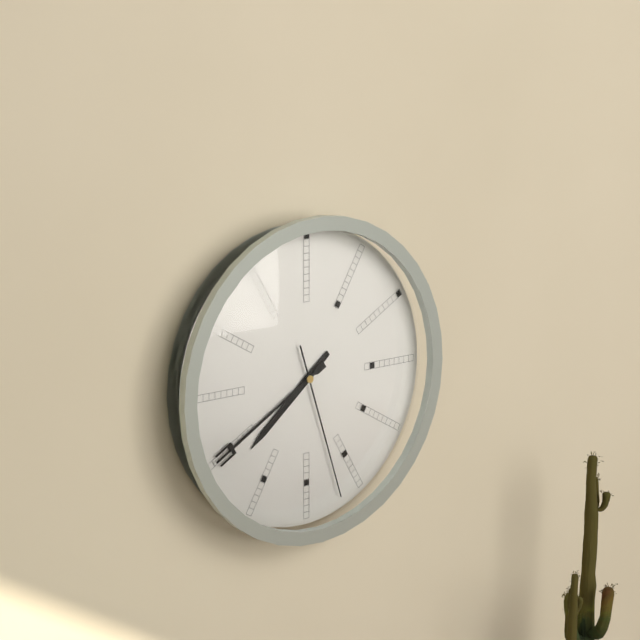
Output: **7:40:27**
